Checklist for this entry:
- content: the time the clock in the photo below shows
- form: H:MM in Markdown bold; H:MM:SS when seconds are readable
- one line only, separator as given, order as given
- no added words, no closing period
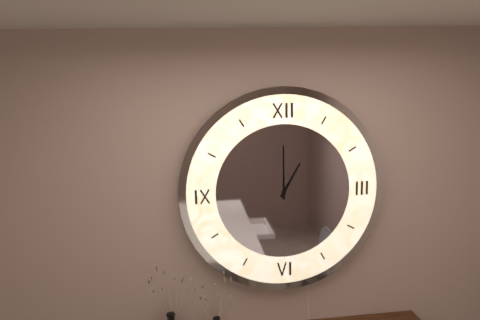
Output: **1:00**
